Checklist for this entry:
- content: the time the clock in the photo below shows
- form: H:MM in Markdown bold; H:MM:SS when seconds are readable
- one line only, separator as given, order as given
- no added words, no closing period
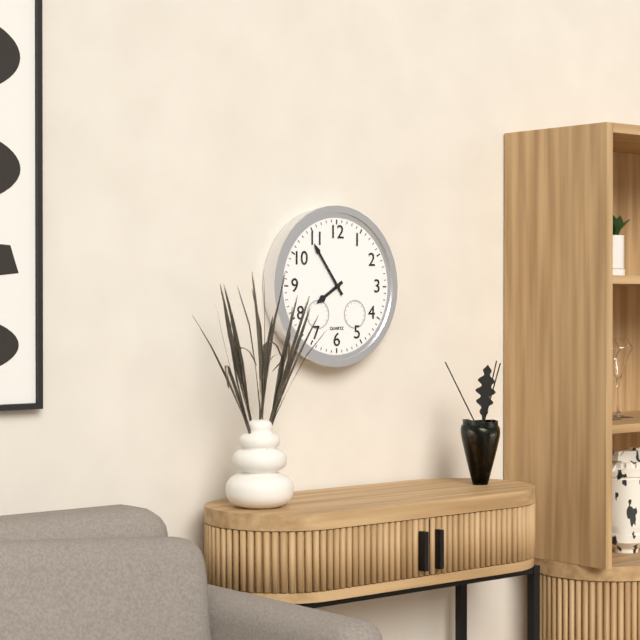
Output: **7:54**
